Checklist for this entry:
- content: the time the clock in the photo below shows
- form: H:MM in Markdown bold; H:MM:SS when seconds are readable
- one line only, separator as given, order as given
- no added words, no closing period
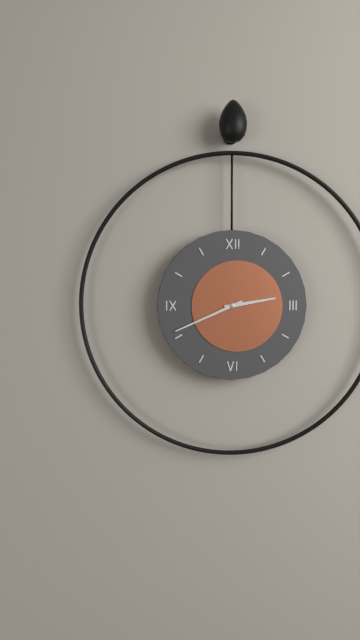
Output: **2:41**
